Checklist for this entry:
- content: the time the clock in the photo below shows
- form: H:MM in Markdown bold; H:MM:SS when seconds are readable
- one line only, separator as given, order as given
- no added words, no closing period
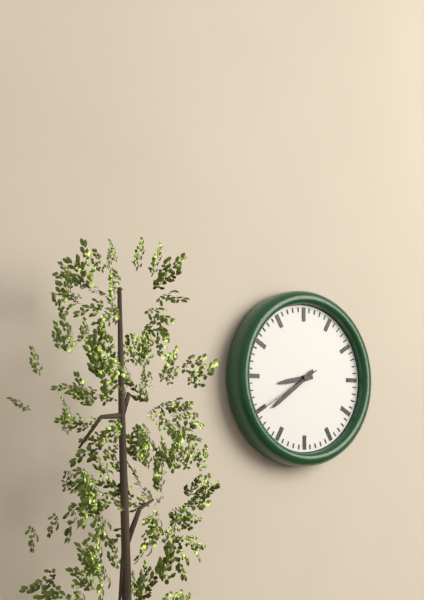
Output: **8:39:40**
